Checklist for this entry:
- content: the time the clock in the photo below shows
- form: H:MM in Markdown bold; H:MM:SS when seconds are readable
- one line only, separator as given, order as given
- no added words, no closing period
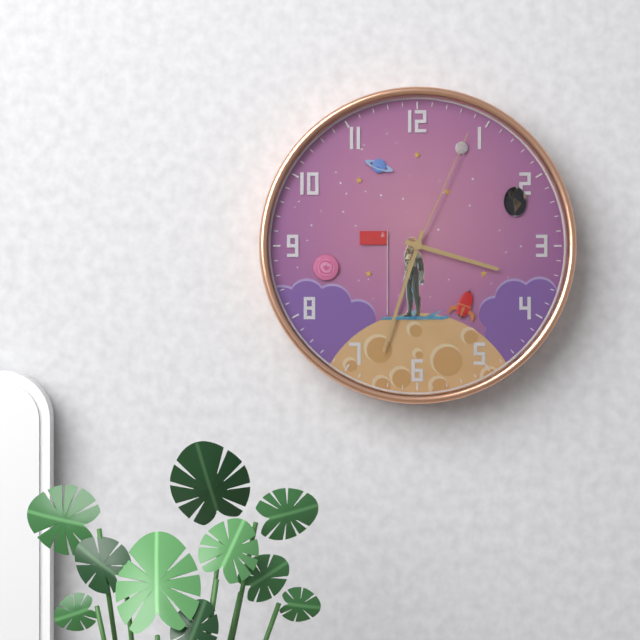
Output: **3:33:04**
